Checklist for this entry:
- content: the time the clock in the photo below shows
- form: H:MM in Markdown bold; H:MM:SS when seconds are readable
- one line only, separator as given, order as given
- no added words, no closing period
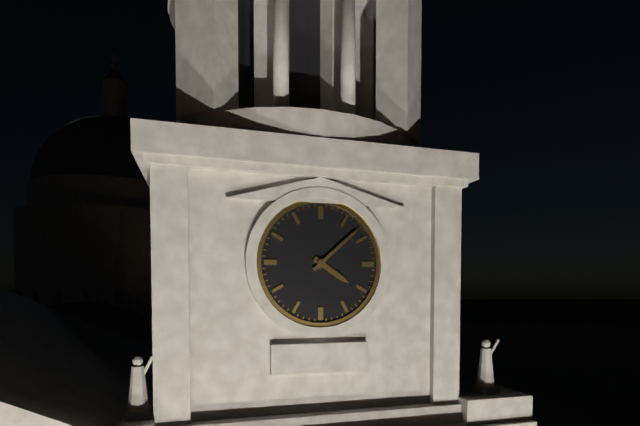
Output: **4:08**
